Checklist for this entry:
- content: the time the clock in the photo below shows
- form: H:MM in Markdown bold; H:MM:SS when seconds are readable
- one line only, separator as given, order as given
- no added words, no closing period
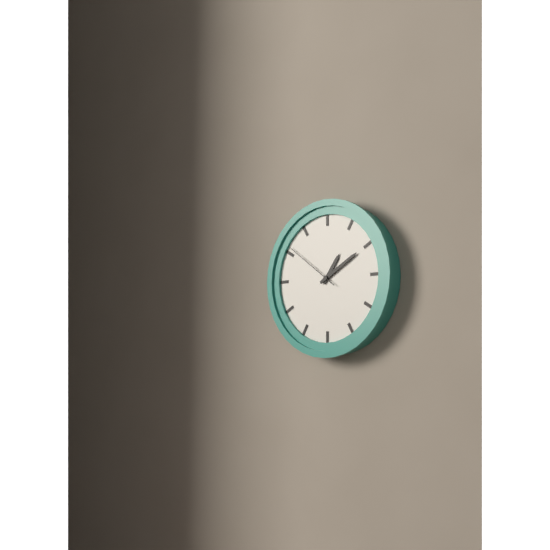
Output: **1:10:51**
